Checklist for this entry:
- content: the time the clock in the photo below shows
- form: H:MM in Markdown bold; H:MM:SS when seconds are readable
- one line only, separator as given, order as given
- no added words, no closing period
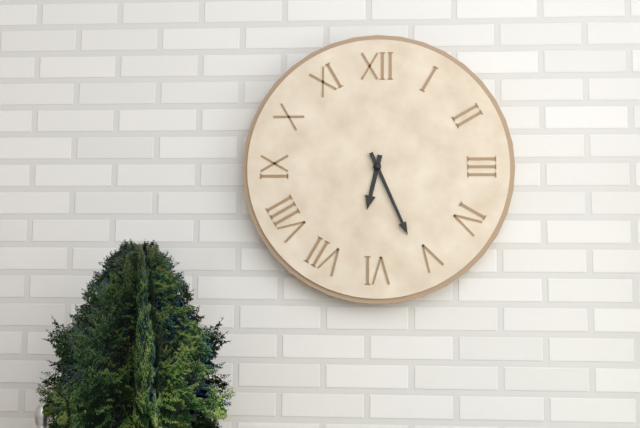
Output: **6:26**
